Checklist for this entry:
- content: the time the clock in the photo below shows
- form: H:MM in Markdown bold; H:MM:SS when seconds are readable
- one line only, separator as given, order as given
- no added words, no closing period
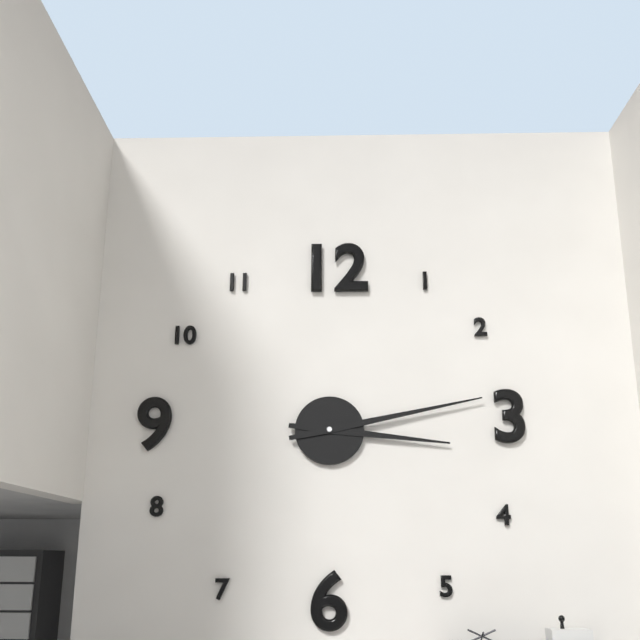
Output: **3:13**
